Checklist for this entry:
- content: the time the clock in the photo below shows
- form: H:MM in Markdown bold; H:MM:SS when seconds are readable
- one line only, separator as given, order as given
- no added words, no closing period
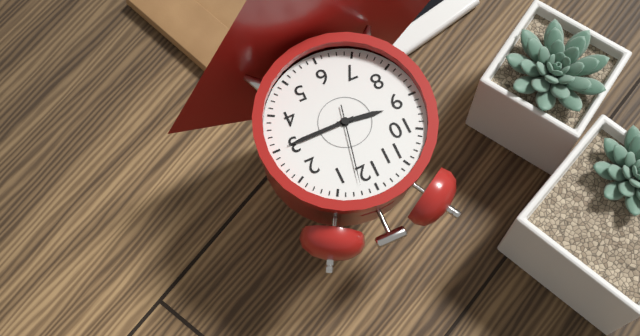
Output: **9:15:02**
